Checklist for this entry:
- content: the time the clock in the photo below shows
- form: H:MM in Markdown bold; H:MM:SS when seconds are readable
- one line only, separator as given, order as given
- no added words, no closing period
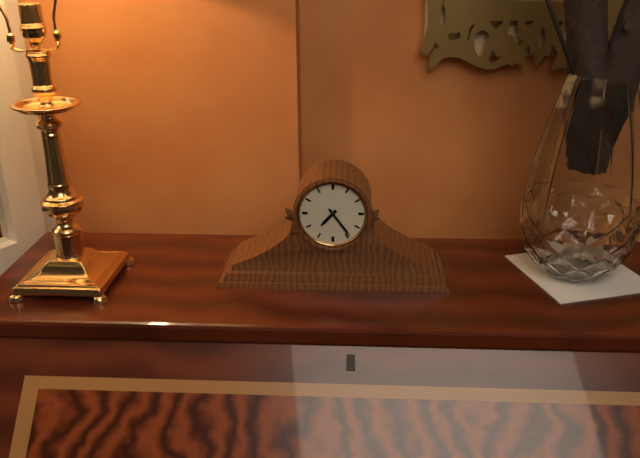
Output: **7:24**
